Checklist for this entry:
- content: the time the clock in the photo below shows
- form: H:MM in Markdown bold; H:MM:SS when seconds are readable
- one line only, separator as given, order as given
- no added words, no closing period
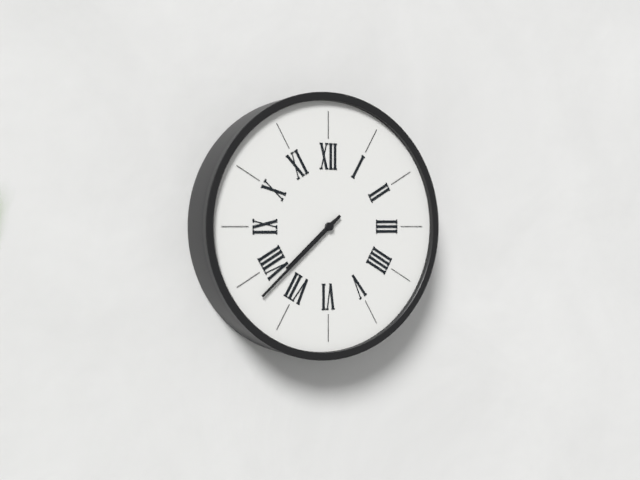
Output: **7:38**
